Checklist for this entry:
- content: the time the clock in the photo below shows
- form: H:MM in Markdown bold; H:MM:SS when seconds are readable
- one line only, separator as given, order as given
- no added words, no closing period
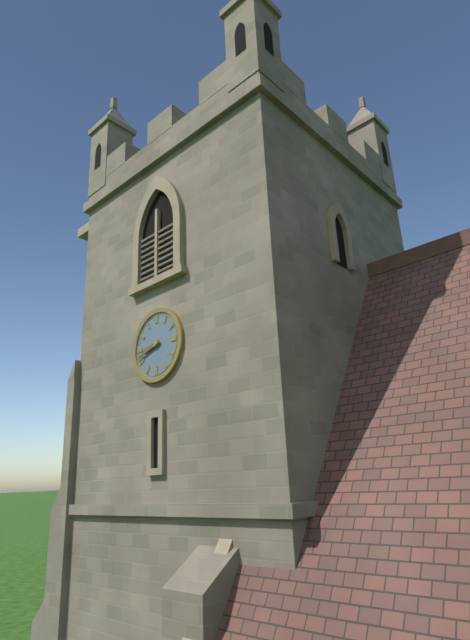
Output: **8:42**
